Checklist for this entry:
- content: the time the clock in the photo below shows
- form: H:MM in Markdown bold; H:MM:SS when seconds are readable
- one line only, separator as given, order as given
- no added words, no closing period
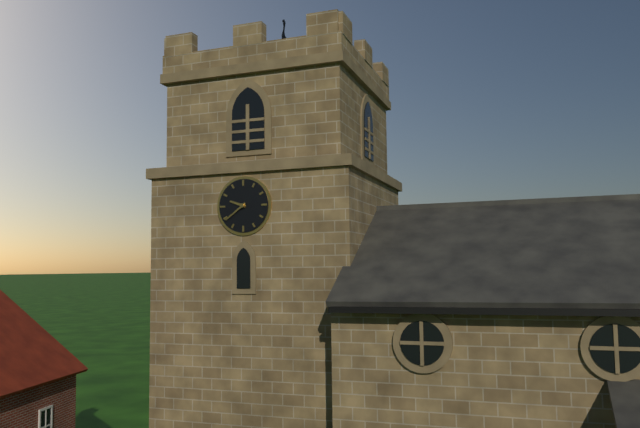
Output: **9:39**
